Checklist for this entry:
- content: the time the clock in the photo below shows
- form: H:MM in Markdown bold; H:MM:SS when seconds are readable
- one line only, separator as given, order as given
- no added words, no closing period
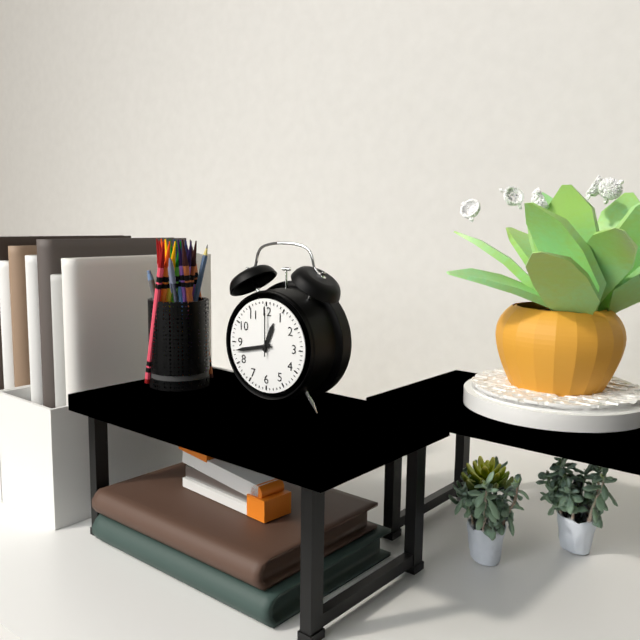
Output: **12:43:00**
